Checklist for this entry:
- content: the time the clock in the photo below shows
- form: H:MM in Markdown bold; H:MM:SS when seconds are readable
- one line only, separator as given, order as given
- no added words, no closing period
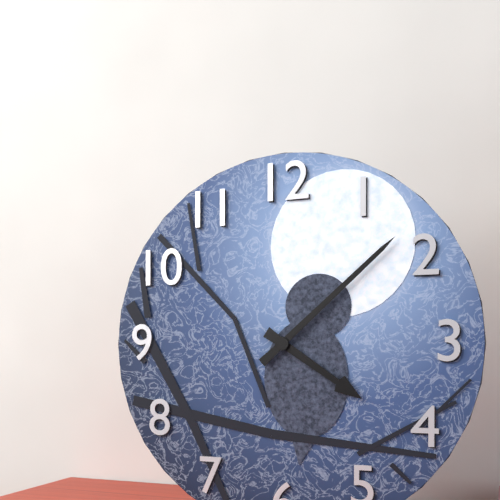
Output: **4:08**
